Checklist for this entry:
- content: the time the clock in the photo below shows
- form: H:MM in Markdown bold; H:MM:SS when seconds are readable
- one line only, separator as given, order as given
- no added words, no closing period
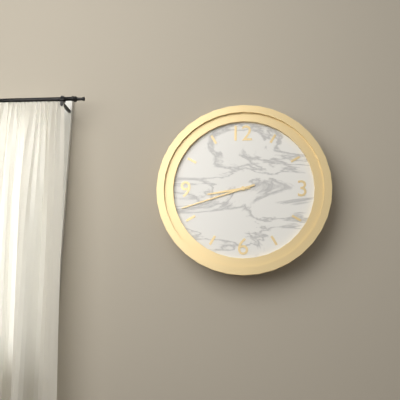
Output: **8:42**
